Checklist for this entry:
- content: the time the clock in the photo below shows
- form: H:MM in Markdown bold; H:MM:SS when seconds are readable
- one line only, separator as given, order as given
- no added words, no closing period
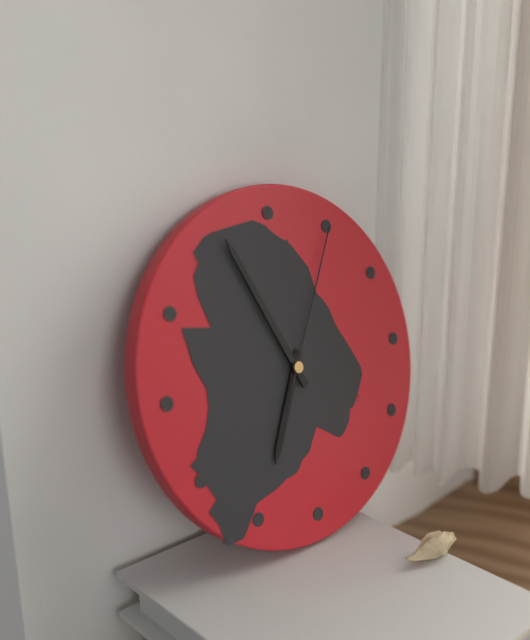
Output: **6:56:05**
